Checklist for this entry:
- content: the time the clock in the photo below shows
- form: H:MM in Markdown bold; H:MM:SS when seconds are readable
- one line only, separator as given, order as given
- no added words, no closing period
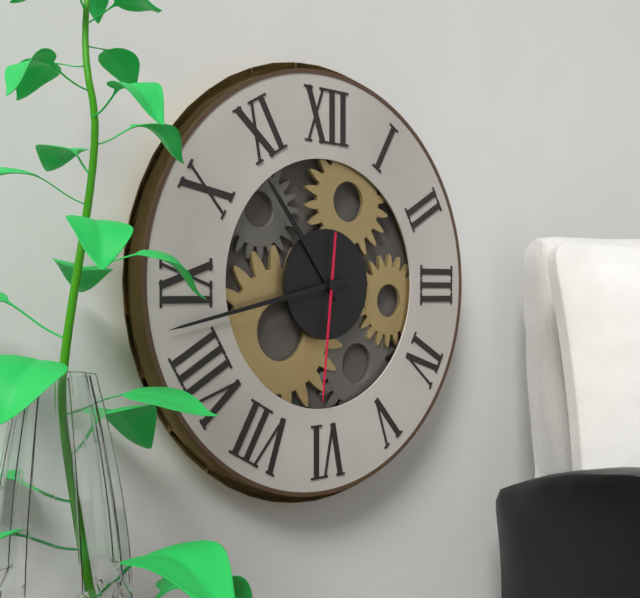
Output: **10:43:31**
